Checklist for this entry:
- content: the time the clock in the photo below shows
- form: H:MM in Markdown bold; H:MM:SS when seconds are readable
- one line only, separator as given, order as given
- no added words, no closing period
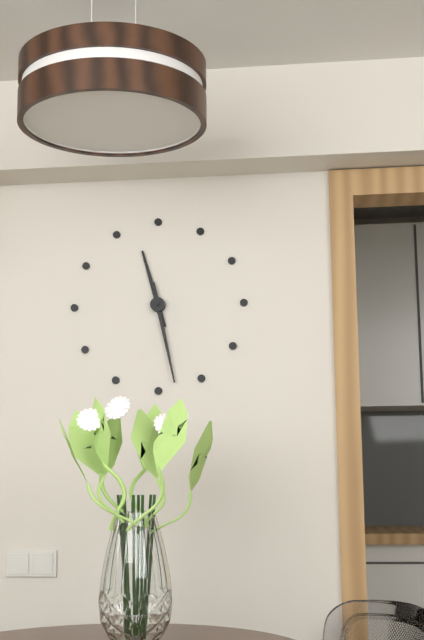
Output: **11:28**
